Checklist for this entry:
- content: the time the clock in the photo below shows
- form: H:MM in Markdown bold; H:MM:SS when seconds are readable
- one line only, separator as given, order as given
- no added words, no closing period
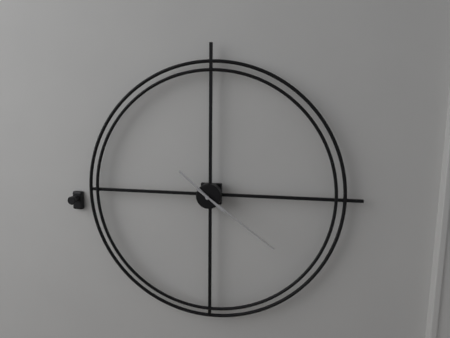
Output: **10:21**
